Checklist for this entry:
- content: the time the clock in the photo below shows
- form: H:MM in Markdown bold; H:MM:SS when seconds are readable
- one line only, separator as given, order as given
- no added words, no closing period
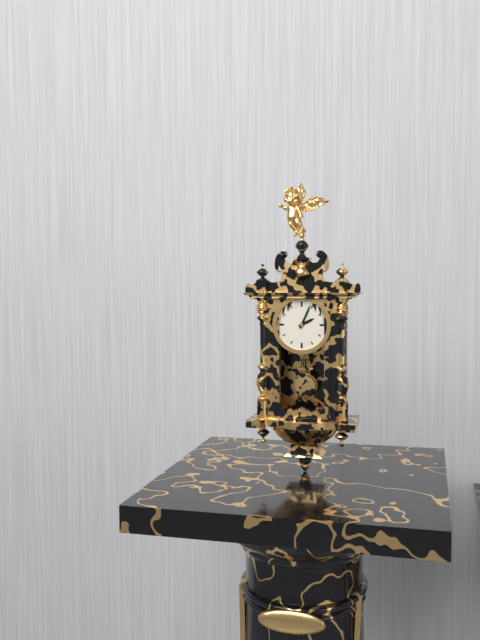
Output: **2:04**
